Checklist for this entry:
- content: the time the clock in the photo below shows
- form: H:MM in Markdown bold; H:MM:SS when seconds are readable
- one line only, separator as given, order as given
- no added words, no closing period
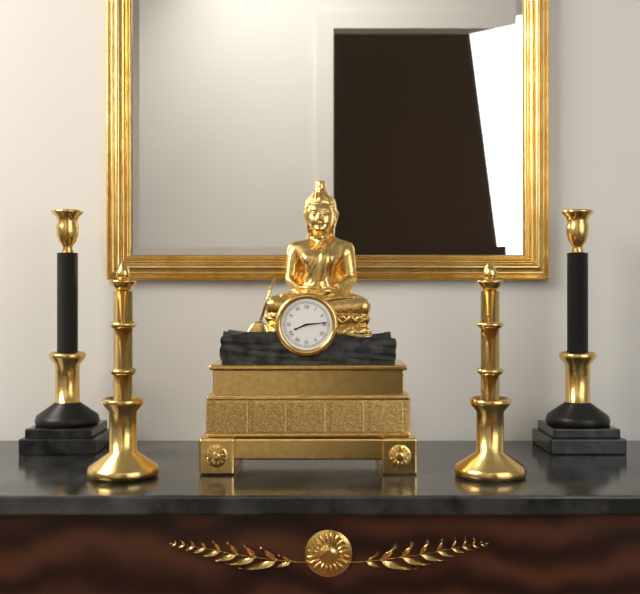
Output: **8:14**
